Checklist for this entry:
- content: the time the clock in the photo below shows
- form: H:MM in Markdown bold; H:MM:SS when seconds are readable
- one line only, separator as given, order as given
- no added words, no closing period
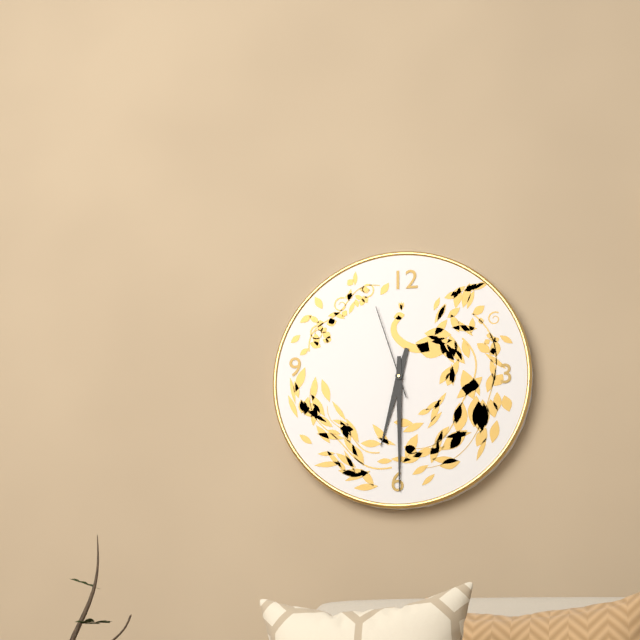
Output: **6:30:57**
